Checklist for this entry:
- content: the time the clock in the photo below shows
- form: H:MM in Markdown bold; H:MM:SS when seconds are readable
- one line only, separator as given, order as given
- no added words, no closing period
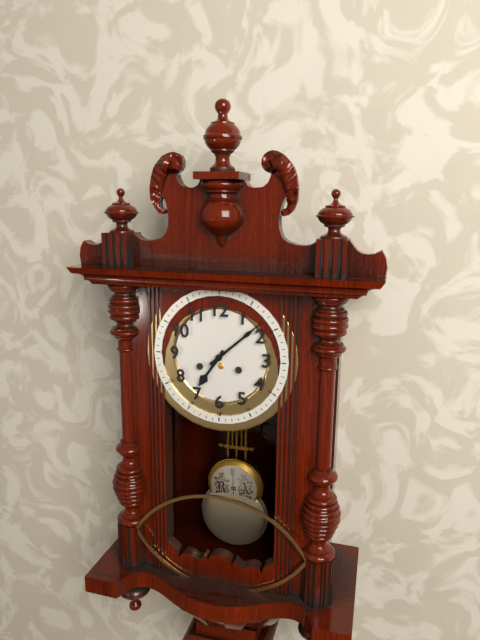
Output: **7:08**
